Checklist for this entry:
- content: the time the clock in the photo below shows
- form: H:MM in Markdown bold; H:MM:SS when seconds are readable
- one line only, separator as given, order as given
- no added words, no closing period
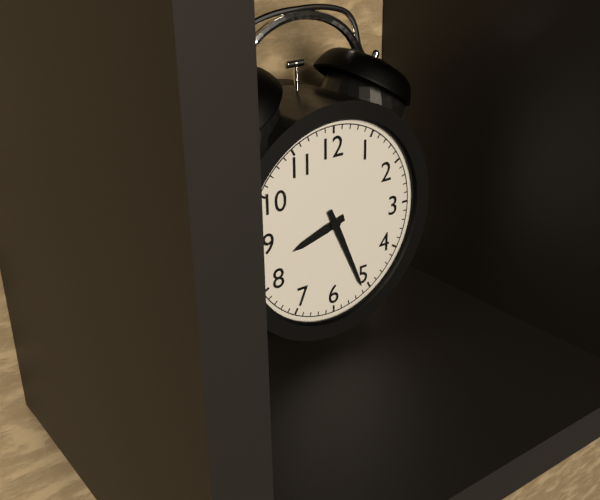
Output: **8:26**
